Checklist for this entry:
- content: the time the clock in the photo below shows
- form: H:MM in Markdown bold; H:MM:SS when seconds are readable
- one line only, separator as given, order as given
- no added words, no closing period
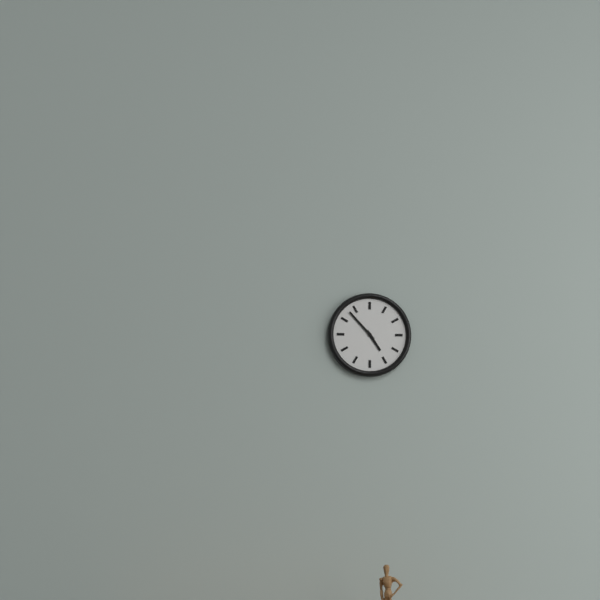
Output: **4:53**
